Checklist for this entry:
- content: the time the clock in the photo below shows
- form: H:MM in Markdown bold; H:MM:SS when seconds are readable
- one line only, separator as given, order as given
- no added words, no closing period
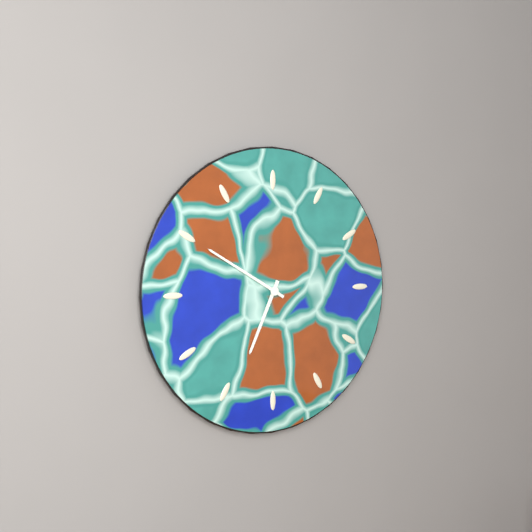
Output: **6:50**
